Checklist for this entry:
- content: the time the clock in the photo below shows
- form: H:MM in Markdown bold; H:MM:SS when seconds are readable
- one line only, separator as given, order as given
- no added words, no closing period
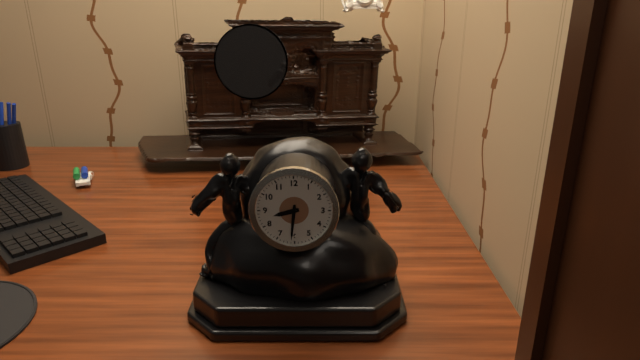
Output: **8:31**
